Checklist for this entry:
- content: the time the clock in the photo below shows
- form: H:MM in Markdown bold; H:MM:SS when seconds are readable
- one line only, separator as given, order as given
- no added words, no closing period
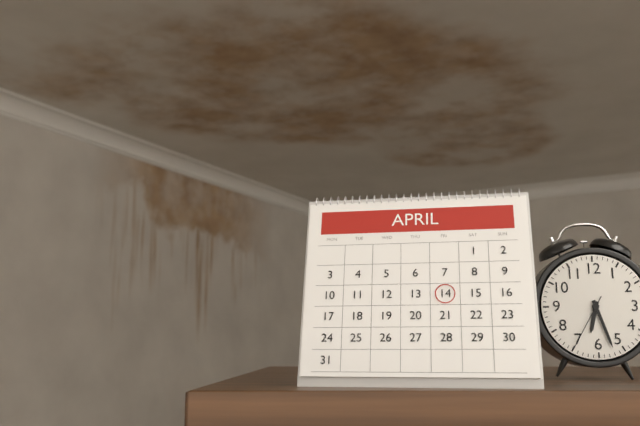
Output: **6:27:35**
